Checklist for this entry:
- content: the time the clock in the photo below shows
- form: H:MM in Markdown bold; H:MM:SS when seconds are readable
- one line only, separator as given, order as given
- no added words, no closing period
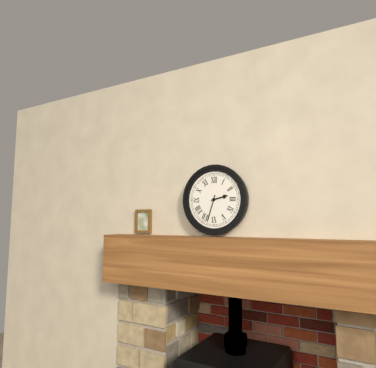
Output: **2:33**
